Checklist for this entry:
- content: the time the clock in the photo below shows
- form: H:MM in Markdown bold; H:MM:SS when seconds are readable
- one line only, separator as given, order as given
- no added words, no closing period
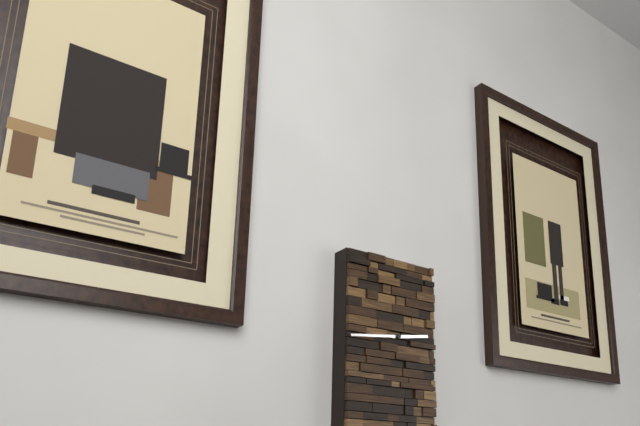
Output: **2:44**
